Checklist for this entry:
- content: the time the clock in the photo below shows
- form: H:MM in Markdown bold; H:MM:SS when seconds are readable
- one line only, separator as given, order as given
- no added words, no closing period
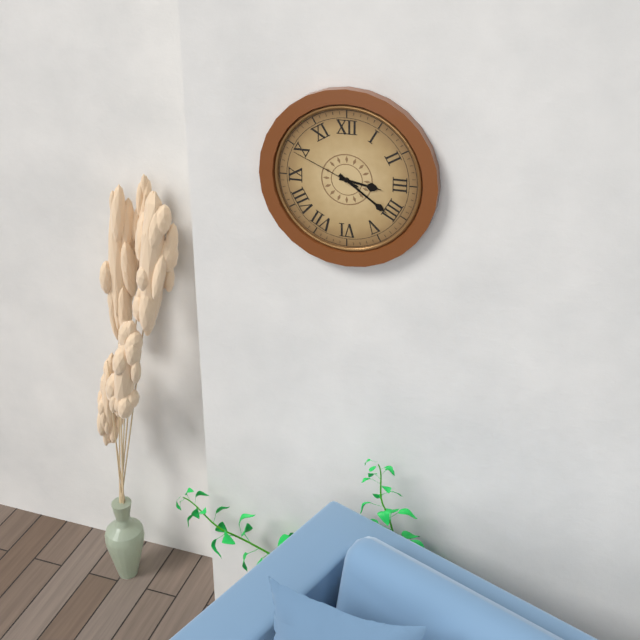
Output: **3:21:49**
